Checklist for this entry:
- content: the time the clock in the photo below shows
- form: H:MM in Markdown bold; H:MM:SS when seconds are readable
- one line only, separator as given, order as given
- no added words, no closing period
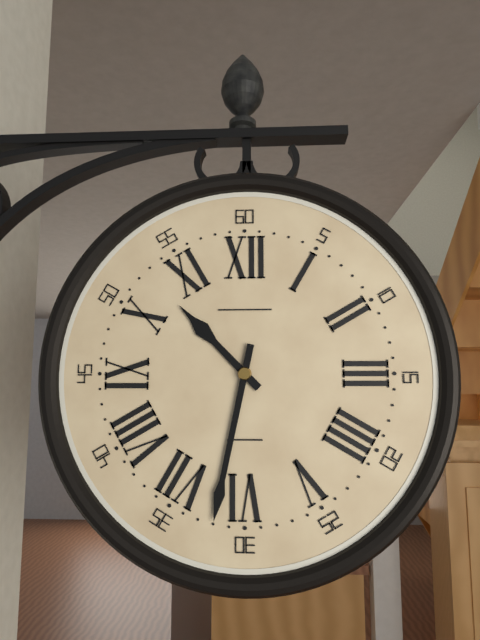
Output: **10:32**
